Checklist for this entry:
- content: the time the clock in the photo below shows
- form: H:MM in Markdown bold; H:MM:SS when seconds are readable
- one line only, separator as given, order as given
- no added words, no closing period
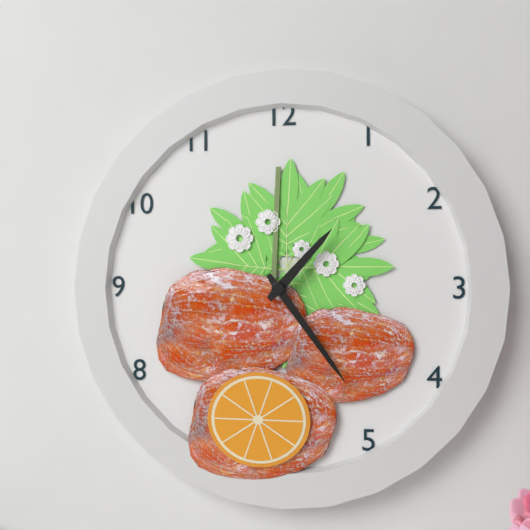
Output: **1:24**
